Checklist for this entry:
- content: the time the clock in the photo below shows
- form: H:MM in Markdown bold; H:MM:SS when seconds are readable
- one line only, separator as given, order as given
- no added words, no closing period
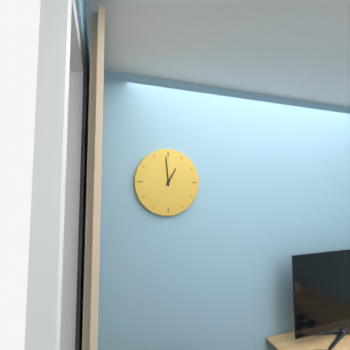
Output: **12:59**
